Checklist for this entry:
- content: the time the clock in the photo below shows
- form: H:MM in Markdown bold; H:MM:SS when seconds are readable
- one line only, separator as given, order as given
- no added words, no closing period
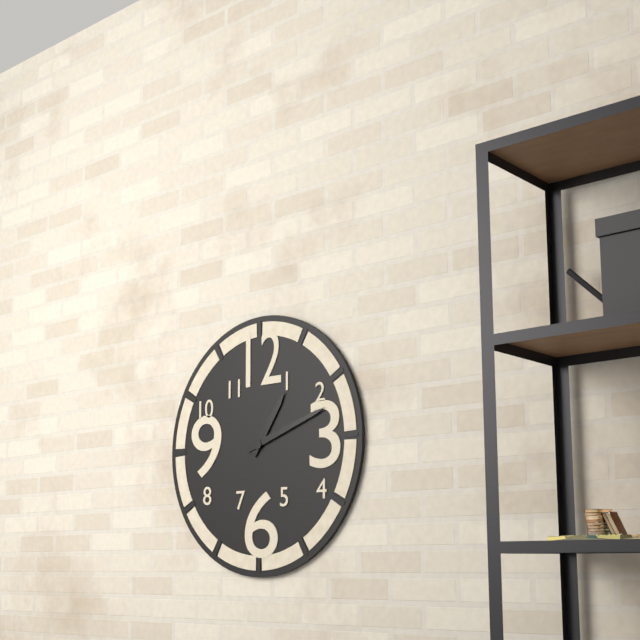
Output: **1:12**
